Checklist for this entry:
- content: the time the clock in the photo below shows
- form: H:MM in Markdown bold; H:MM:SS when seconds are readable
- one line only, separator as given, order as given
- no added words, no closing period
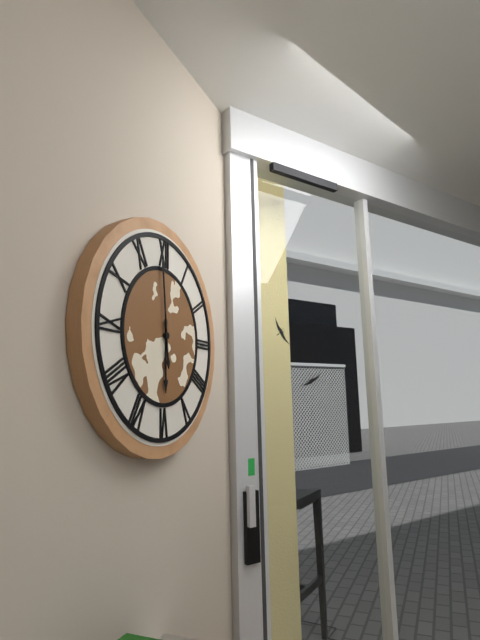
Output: **5:59**
